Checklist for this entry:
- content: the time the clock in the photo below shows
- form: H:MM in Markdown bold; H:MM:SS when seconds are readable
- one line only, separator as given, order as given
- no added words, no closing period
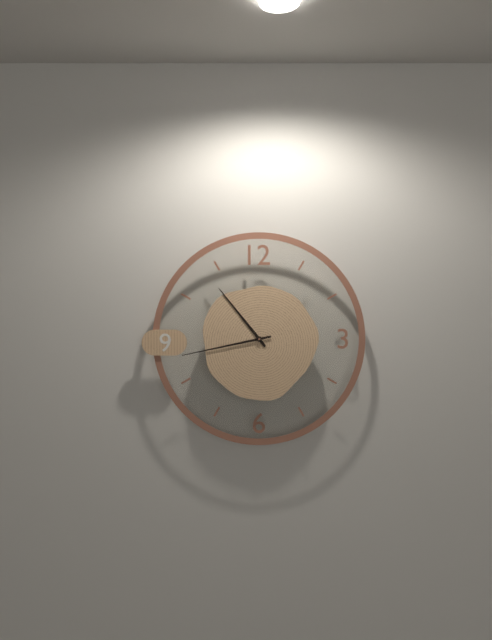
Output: **10:43**
